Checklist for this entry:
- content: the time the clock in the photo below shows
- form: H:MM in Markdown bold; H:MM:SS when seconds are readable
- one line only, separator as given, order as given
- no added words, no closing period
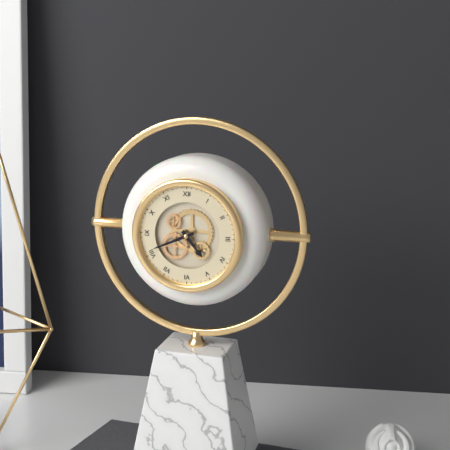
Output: **4:41**
